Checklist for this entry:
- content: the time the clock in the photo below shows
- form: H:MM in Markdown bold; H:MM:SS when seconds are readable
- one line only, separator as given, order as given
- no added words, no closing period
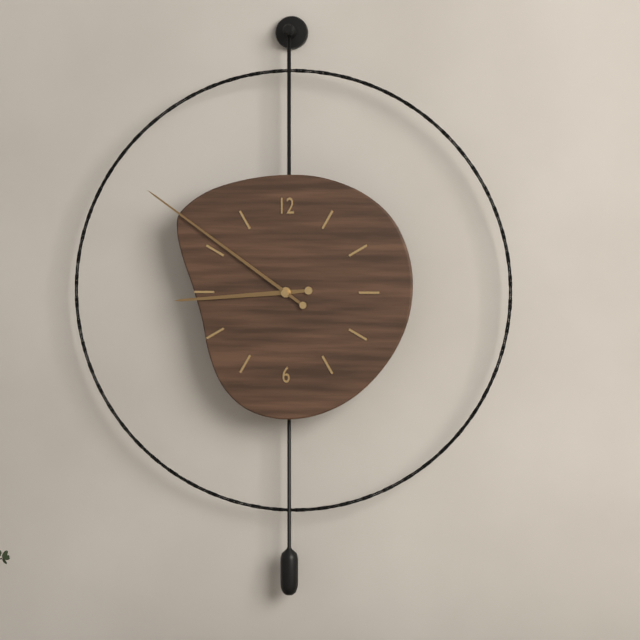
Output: **8:51**
